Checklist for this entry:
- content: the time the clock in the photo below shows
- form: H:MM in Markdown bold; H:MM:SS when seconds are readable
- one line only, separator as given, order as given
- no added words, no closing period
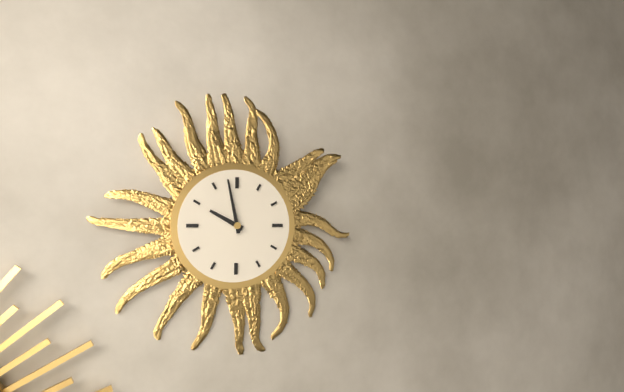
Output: **9:58**
